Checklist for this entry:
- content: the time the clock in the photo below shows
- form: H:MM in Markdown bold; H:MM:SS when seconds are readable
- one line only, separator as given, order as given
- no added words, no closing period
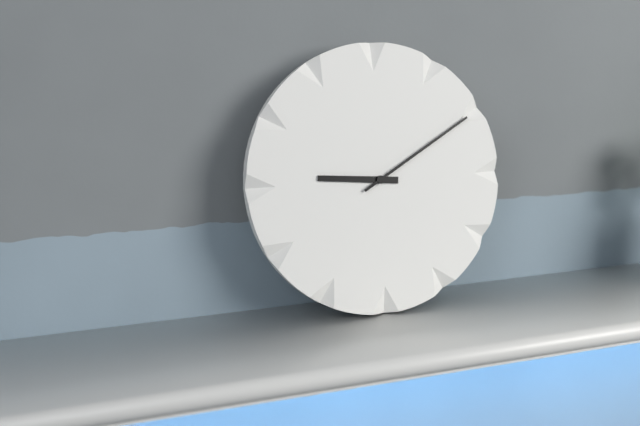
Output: **9:10**
